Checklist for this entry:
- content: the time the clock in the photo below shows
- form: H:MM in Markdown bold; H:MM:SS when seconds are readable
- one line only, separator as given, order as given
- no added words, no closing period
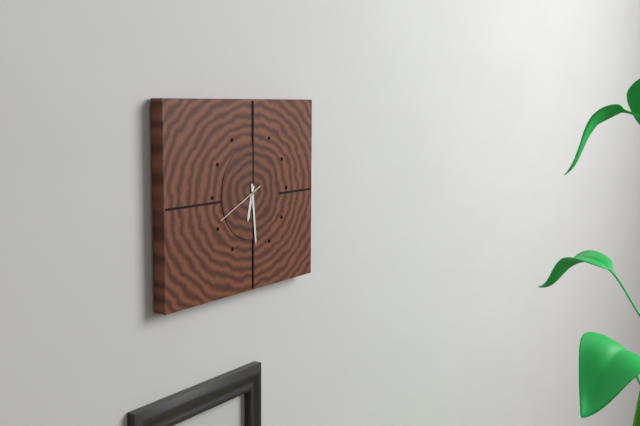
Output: **6:29:41**
